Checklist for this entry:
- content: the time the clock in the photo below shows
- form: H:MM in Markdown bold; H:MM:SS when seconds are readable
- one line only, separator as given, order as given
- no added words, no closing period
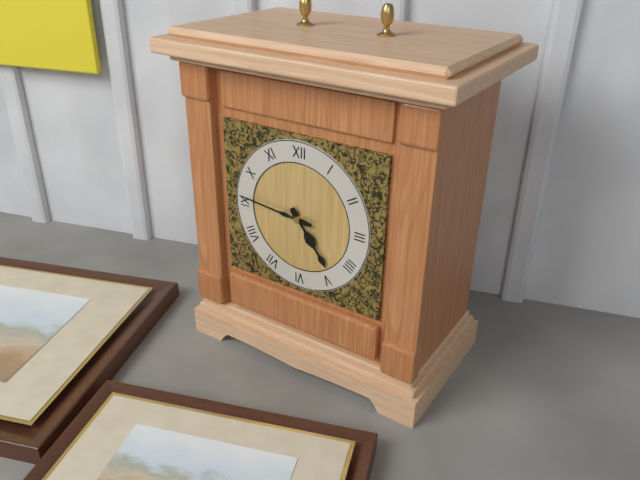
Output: **4:46**
